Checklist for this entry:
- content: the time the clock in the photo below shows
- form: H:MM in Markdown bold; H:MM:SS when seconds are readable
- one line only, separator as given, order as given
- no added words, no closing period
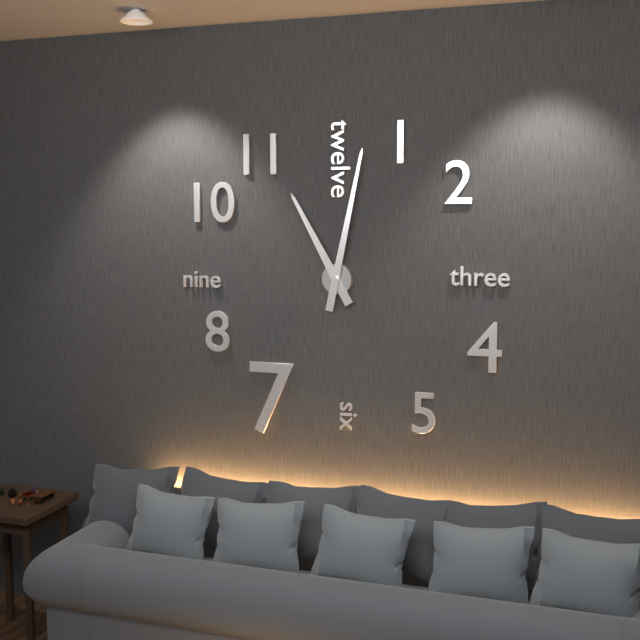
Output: **11:02**
